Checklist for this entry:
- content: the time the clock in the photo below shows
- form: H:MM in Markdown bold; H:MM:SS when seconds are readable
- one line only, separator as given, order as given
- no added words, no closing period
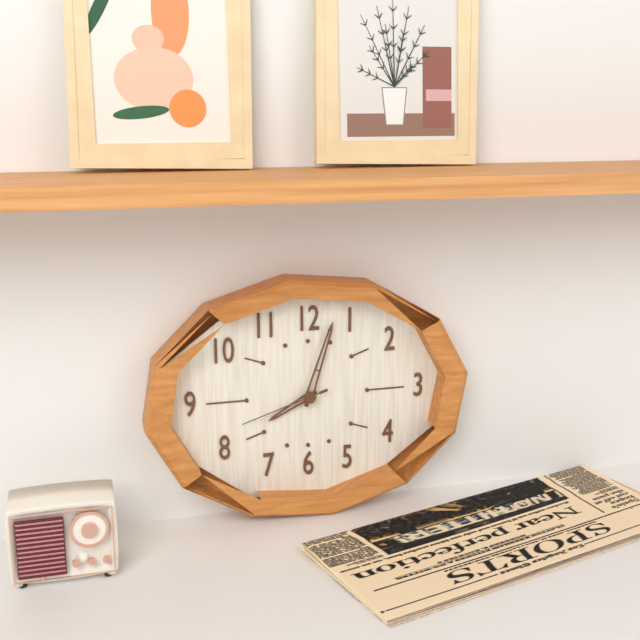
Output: **8:03:42**
